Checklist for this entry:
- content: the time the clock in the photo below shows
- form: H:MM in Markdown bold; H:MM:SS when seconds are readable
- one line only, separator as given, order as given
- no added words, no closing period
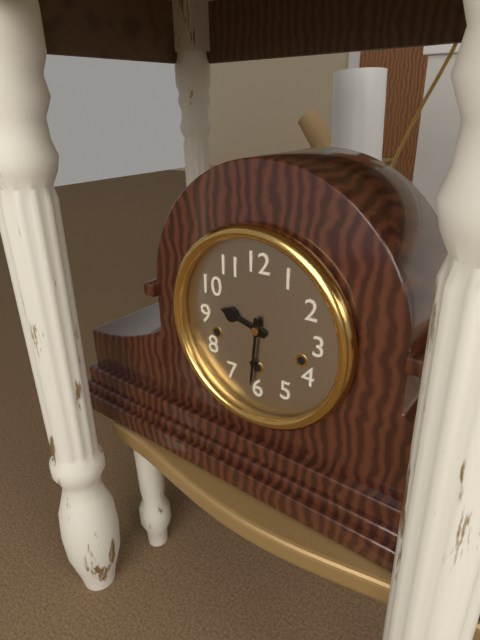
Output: **9:31**
